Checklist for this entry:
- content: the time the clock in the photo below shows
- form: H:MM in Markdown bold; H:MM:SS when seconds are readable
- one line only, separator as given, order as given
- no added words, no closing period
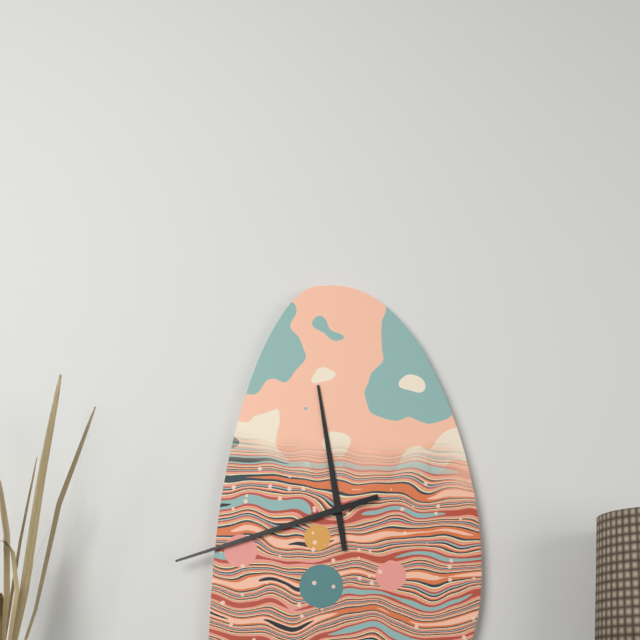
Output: **11:42**
